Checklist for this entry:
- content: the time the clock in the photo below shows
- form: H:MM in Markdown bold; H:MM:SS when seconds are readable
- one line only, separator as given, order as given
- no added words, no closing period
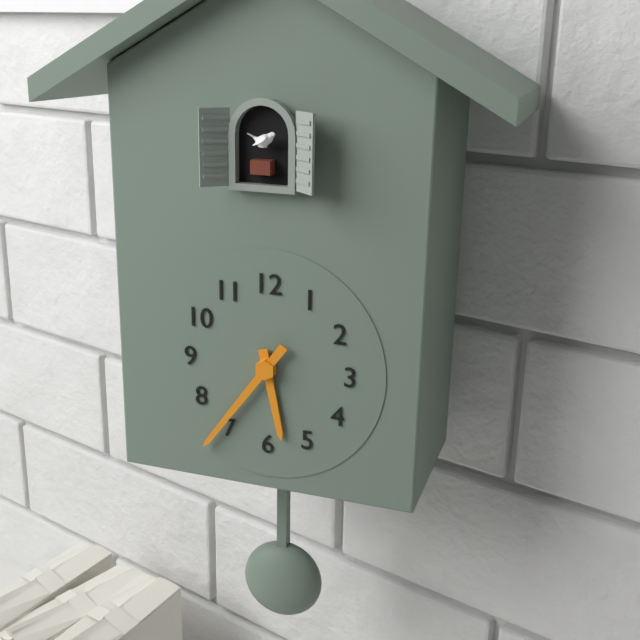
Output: **5:36**
